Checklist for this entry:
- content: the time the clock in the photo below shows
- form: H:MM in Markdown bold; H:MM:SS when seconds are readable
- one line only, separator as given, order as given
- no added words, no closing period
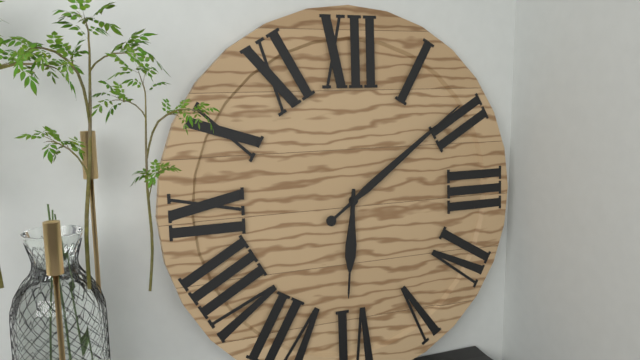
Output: **6:09**
